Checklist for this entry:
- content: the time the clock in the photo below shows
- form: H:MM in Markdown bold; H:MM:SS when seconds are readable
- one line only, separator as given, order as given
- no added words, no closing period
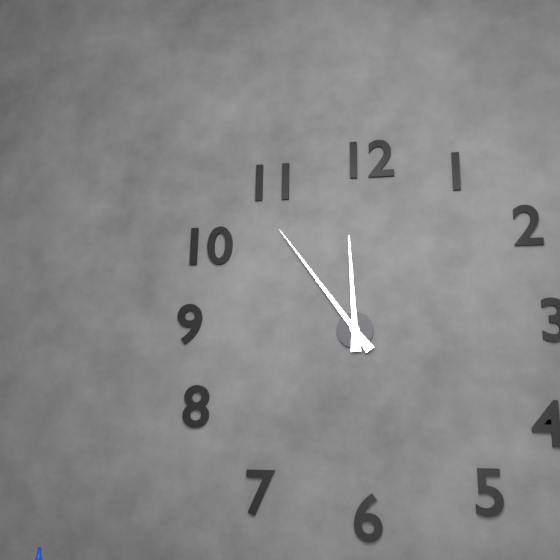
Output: **11:54**
